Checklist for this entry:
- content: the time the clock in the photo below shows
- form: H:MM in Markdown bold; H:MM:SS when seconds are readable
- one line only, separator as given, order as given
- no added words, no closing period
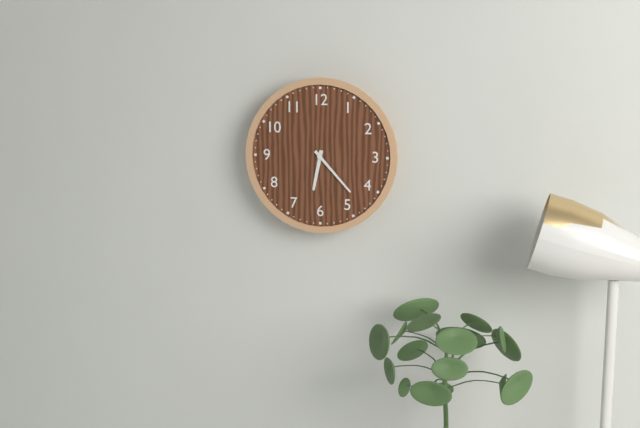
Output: **6:23**
